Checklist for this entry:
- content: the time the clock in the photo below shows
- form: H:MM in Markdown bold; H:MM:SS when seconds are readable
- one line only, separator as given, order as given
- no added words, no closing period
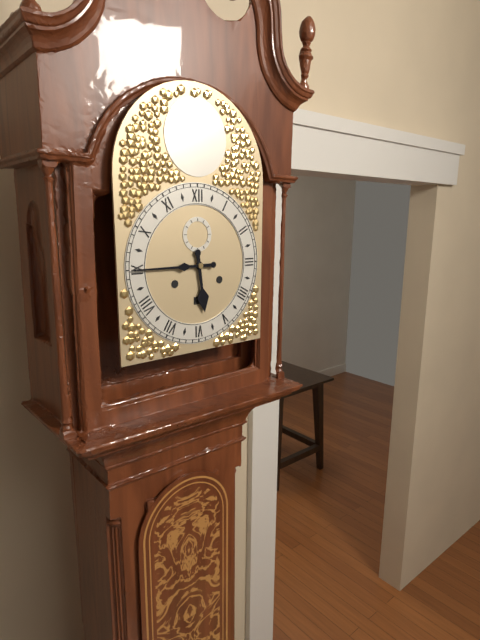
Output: **5:45**
